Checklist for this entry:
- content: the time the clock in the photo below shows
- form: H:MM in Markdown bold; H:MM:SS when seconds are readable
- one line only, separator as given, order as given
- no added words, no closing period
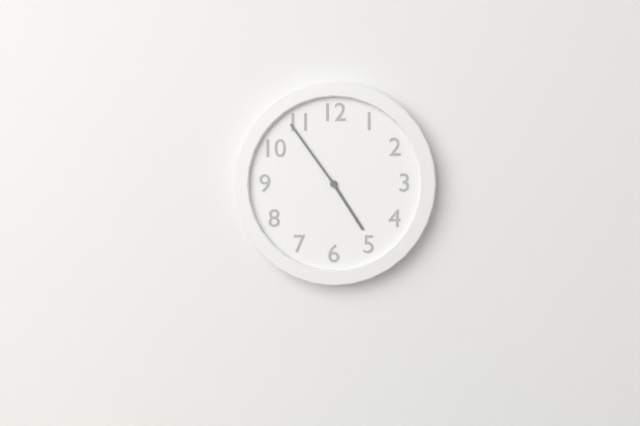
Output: **4:54**
